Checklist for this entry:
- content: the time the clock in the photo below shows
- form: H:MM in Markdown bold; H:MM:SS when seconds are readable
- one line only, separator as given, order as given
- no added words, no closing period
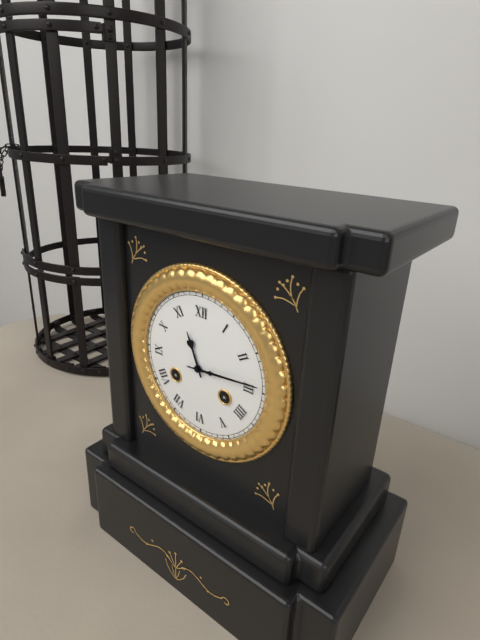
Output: **11:14**
